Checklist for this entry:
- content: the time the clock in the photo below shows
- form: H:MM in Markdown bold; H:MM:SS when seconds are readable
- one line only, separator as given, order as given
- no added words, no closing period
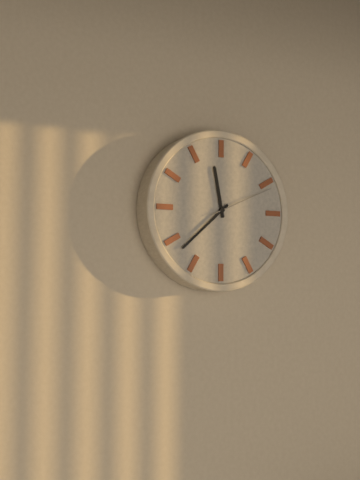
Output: **11:38:11**
